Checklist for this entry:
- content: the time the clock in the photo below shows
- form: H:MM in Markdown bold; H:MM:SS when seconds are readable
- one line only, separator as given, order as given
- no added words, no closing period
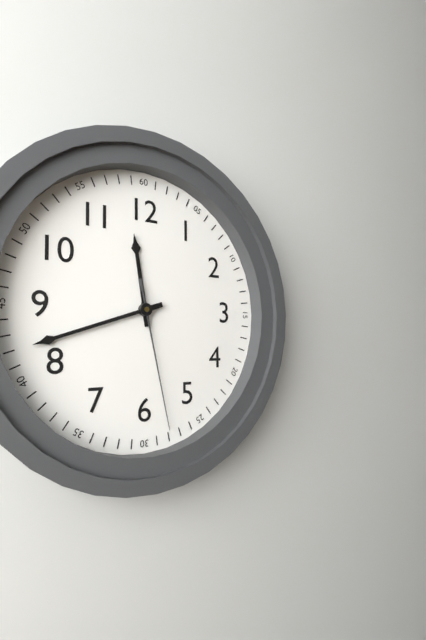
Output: **11:42:28**
